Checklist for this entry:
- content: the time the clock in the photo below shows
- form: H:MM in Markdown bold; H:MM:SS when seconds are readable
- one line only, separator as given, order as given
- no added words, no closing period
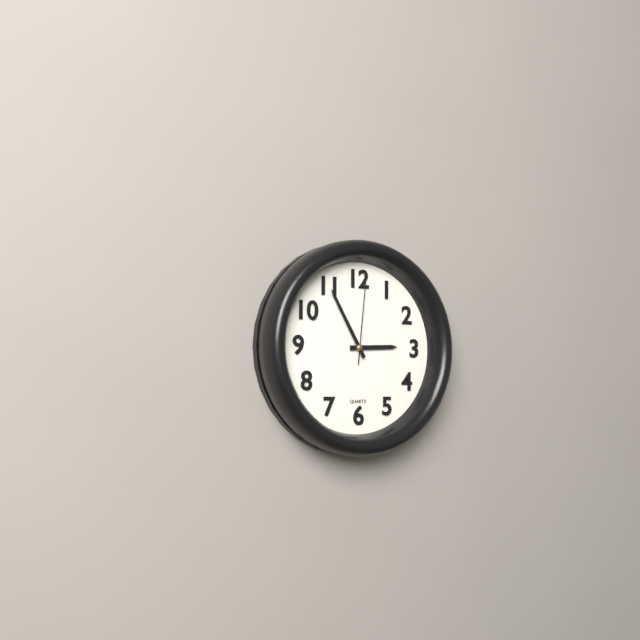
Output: **2:55:01**
